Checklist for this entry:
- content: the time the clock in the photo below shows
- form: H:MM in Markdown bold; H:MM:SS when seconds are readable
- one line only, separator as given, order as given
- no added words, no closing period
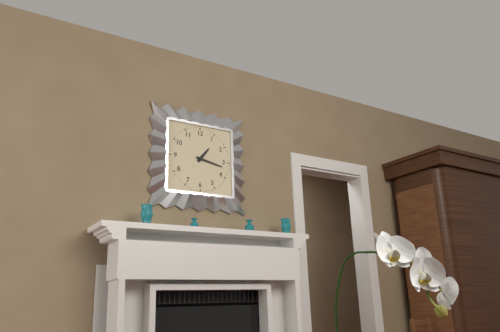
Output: **1:17**
